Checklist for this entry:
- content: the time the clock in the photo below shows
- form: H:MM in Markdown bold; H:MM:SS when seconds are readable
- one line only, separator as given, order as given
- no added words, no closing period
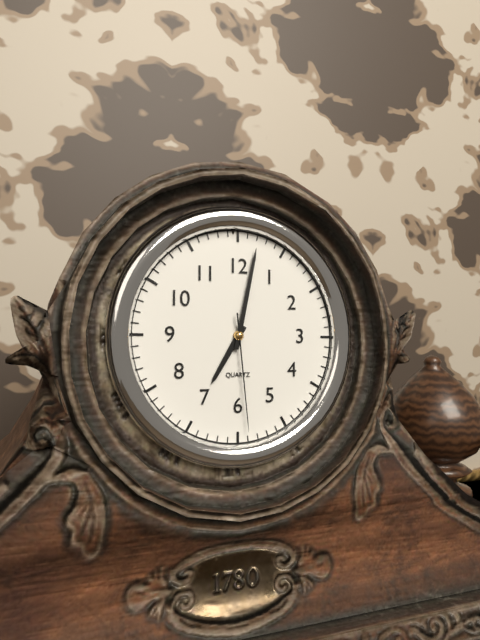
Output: **7:02:29**
